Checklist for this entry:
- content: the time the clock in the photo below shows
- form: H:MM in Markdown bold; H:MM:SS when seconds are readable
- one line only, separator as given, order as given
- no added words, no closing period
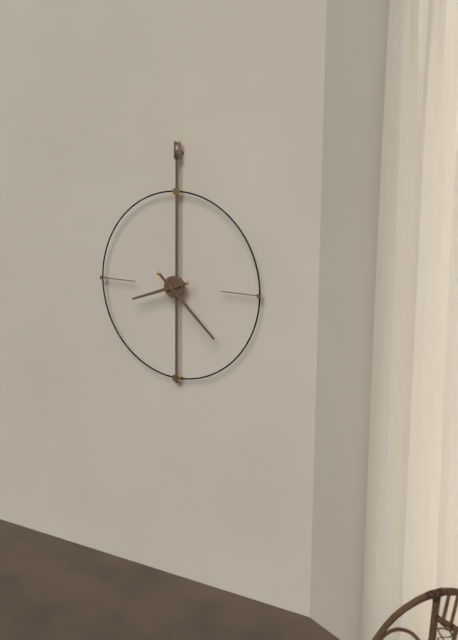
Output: **8:22**
